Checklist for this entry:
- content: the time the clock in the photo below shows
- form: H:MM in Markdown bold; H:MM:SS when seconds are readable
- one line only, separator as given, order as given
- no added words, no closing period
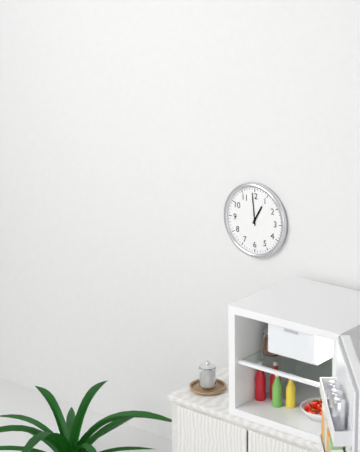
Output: **12:59**
